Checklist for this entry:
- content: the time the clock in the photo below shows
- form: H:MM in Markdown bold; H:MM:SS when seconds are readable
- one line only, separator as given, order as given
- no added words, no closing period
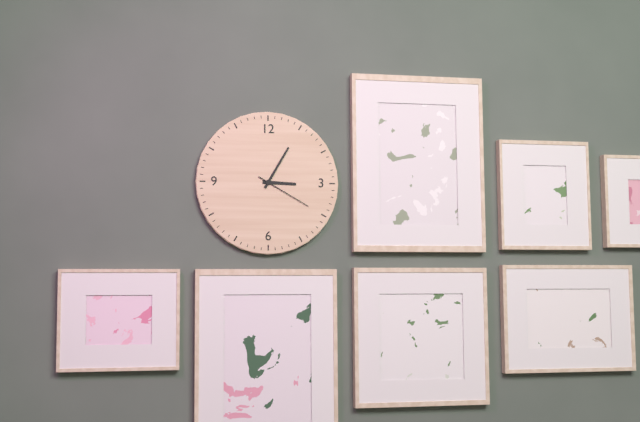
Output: **3:05:20**
